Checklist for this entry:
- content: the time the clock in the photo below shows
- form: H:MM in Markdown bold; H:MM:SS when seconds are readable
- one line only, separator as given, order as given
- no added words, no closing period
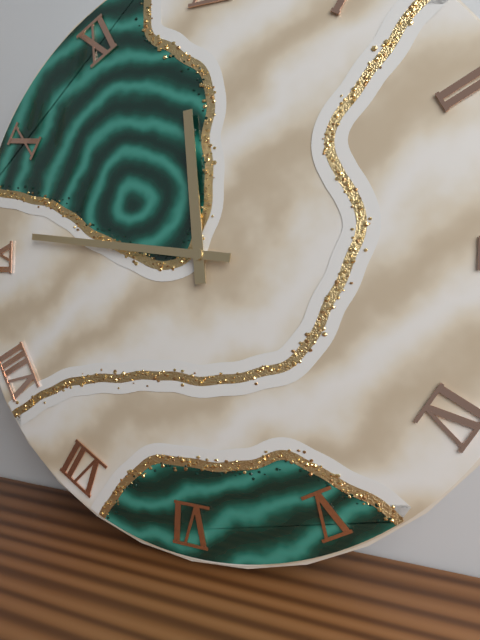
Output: **11:46**
